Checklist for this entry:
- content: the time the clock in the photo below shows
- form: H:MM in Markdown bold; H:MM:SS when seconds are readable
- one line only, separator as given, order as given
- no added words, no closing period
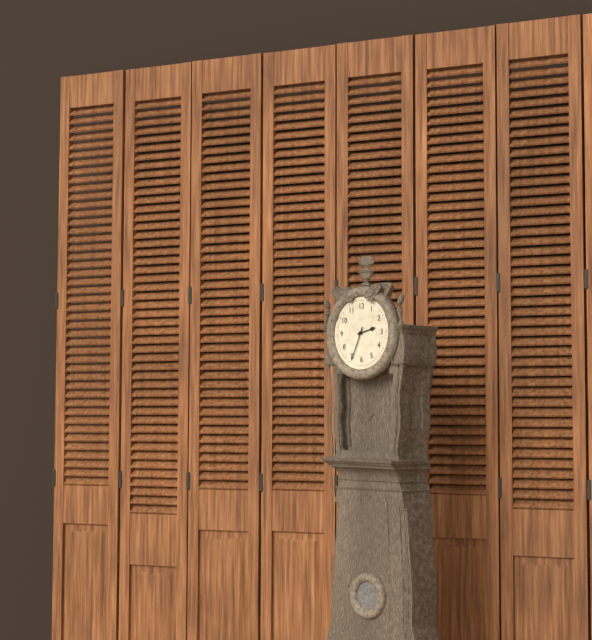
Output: **2:34**
